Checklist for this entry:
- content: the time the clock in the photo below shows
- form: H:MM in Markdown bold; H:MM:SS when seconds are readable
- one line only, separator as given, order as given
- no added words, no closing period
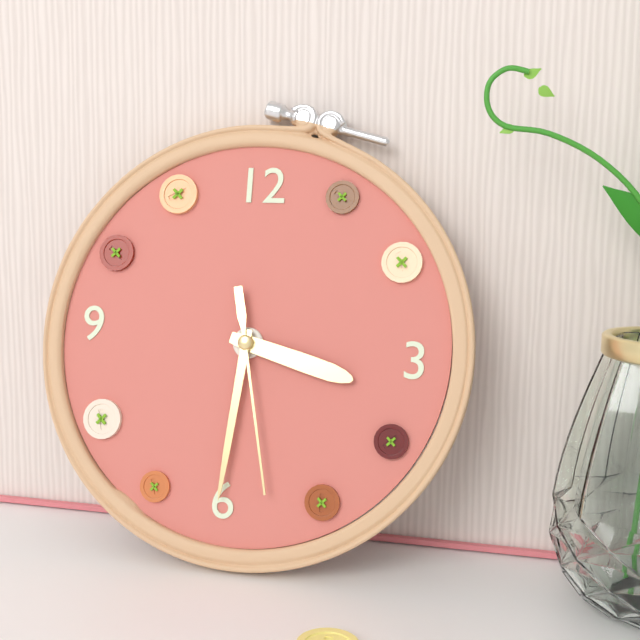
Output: **3:31:28**
